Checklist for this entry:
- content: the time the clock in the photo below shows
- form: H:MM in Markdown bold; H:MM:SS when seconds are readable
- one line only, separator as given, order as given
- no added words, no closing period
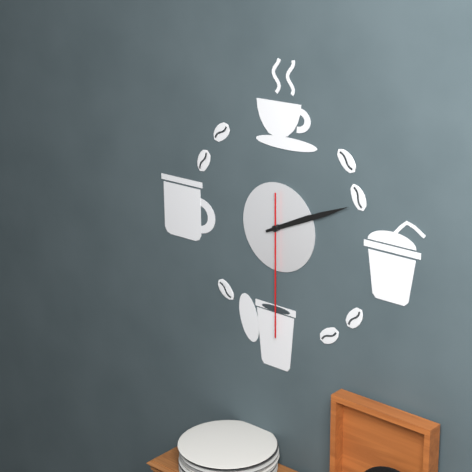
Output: **2:11:30**
